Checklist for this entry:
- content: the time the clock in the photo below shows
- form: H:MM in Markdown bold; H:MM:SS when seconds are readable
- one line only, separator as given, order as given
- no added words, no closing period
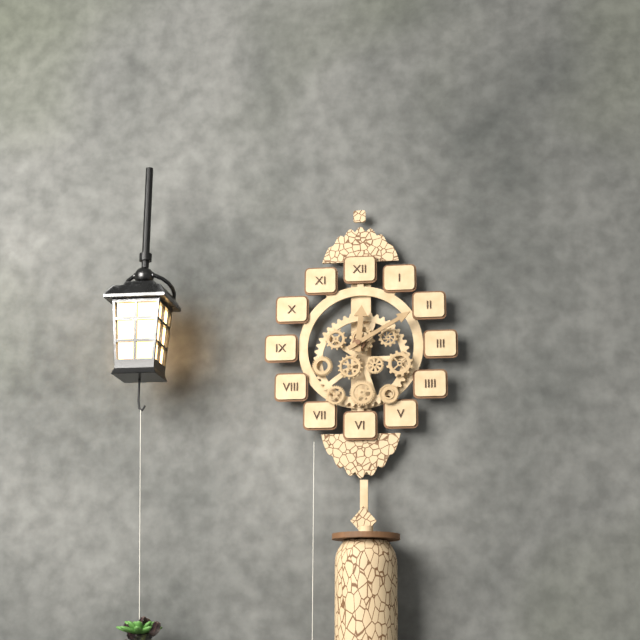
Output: **12:10**
